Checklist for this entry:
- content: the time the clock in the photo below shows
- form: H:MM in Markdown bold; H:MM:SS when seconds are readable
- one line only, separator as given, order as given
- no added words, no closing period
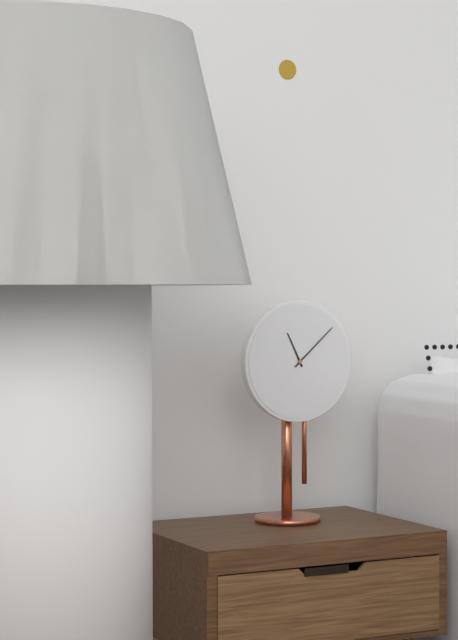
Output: **11:08**
